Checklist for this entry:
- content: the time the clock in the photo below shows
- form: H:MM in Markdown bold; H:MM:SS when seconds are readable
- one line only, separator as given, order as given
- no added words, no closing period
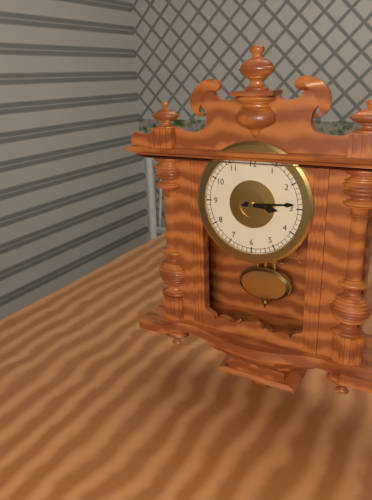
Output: **3:14**
